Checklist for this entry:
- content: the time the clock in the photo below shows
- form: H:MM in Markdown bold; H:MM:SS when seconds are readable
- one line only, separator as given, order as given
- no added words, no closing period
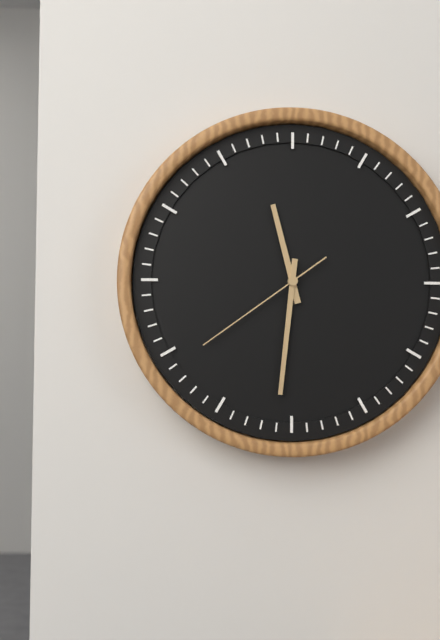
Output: **11:31:39**
